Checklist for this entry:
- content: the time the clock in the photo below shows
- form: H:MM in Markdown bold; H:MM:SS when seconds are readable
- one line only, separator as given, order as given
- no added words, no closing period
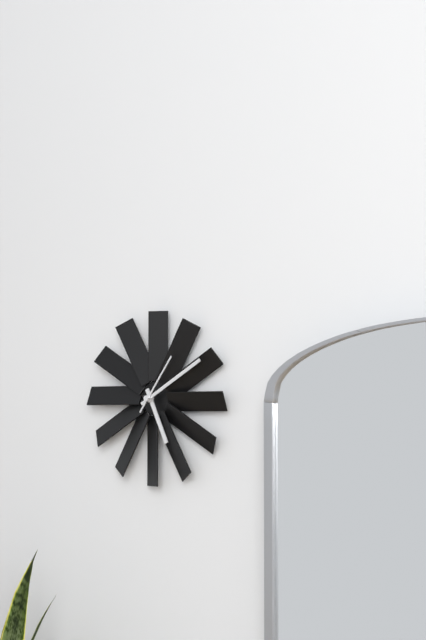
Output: **5:10:06**
